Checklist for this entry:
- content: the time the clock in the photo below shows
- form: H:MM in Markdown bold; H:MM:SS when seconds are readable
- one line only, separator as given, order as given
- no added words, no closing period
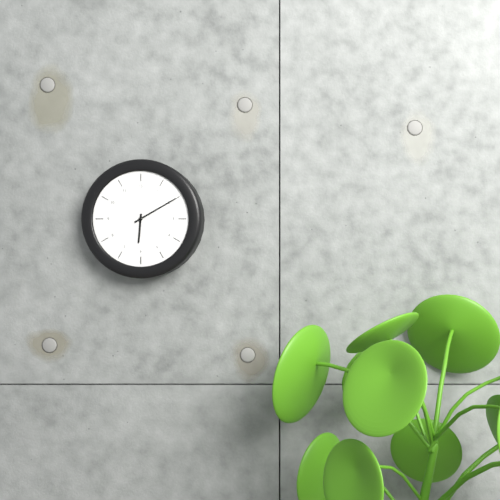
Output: **6:10**
